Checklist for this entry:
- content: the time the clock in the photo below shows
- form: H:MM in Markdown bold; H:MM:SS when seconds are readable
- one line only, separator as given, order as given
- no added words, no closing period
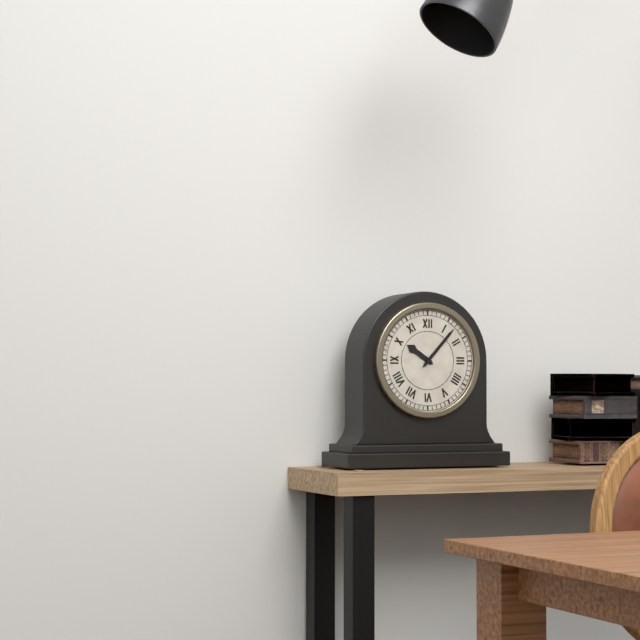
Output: **10:07**
